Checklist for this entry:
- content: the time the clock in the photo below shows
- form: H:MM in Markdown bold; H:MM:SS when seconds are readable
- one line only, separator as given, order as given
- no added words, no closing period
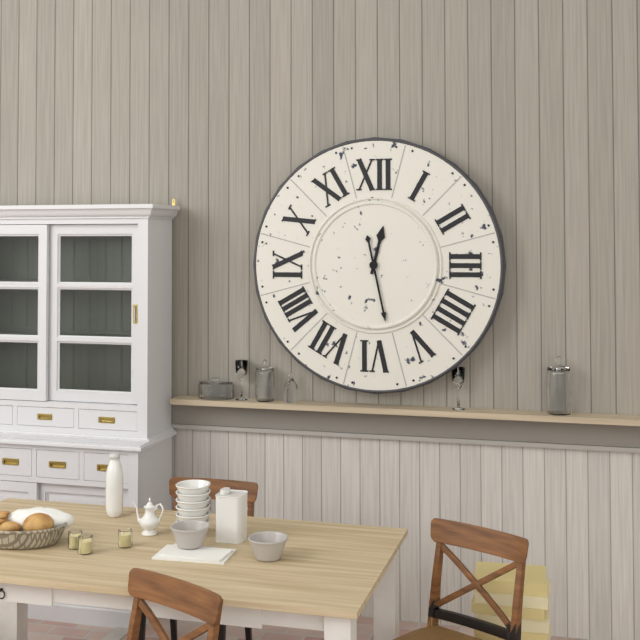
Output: **12:28**
